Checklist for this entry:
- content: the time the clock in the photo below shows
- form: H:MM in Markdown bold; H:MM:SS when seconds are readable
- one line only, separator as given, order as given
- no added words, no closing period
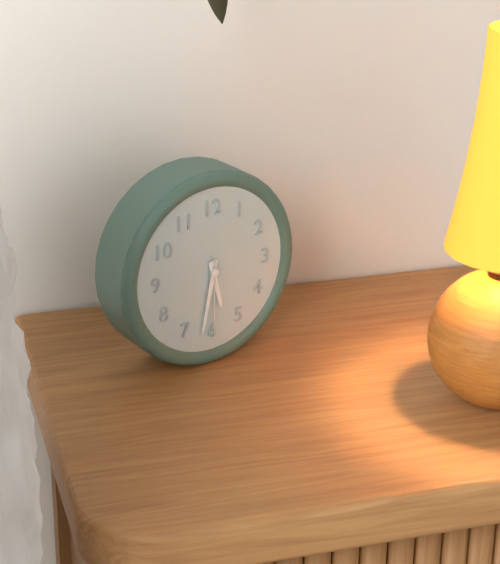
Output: **5:32:30**
